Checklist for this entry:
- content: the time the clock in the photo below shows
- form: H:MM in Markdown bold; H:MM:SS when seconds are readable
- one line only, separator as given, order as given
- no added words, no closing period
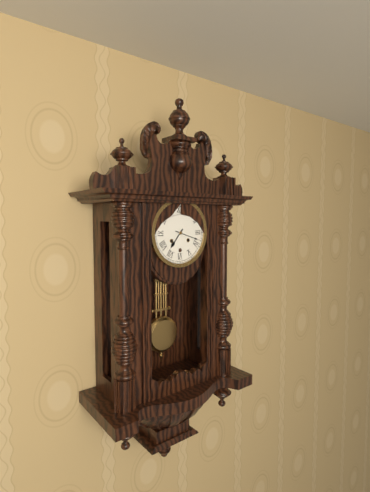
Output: **7:18**
